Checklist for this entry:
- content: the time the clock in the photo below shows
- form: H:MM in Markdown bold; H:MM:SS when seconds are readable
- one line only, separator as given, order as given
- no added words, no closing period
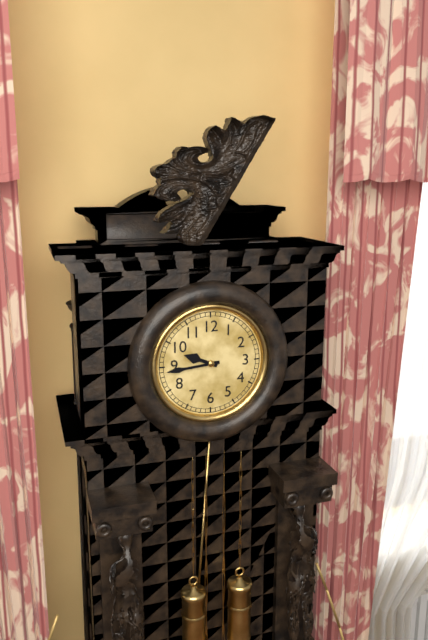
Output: **9:44**
